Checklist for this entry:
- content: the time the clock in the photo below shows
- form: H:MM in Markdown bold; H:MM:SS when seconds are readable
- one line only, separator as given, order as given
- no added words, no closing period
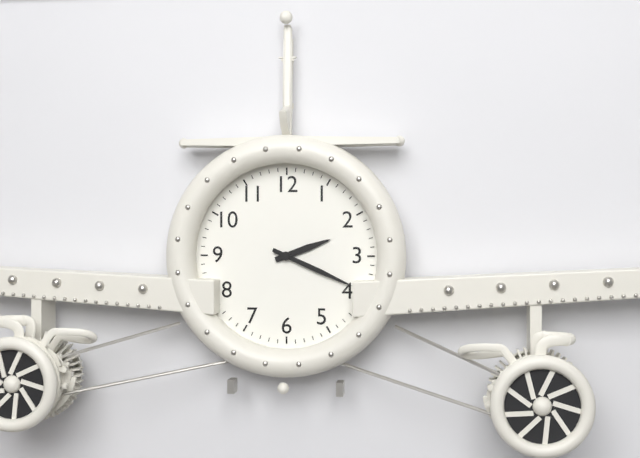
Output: **2:19**
